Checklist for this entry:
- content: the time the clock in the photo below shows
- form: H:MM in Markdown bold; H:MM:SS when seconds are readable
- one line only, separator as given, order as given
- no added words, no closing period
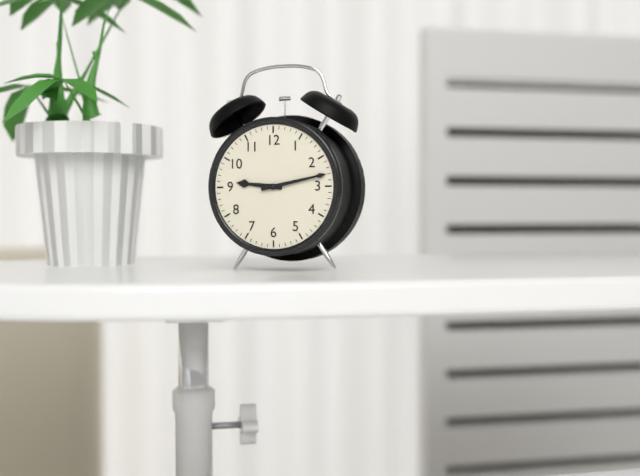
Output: **9:13**
